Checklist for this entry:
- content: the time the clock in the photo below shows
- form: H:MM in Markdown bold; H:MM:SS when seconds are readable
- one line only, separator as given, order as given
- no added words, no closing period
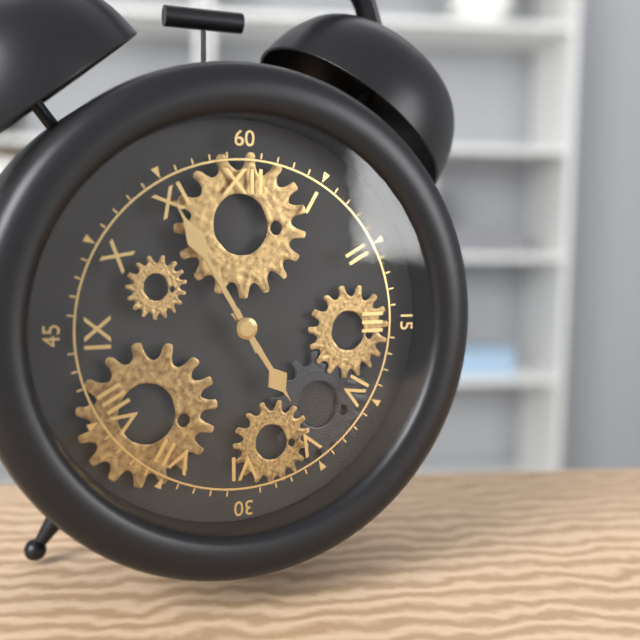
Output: **4:55**
